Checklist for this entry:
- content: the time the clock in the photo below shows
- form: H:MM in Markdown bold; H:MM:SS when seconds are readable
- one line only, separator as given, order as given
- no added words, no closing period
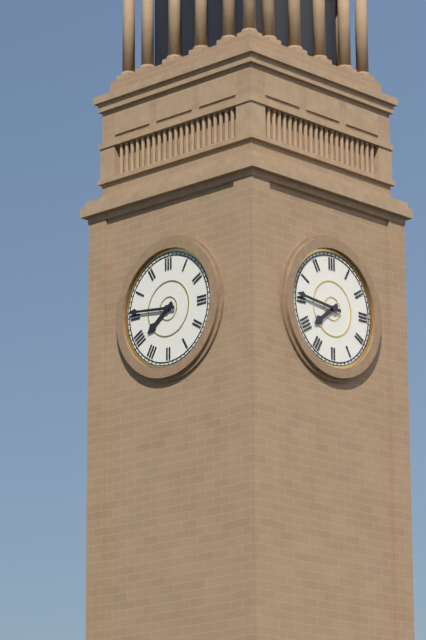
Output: **7:46**
